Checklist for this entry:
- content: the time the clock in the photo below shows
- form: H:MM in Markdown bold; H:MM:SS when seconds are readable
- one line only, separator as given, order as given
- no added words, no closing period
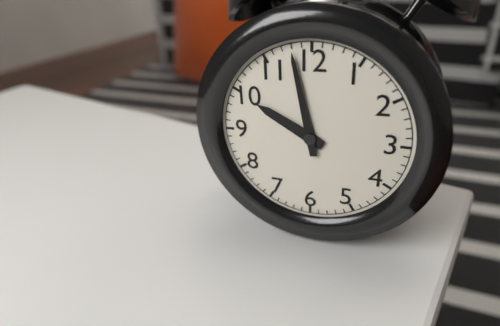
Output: **9:58**
